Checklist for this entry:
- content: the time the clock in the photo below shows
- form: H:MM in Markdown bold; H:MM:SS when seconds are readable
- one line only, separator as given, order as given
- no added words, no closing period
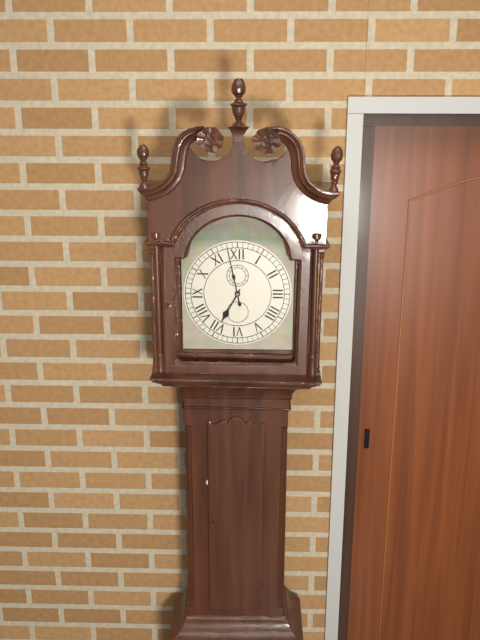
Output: **6:58**
